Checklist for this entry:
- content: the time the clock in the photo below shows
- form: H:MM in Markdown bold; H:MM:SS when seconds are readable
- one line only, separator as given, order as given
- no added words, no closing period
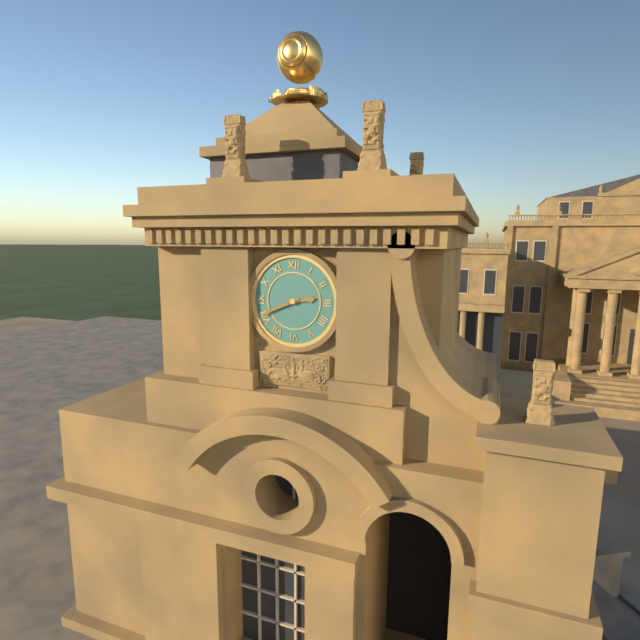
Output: **2:41**
